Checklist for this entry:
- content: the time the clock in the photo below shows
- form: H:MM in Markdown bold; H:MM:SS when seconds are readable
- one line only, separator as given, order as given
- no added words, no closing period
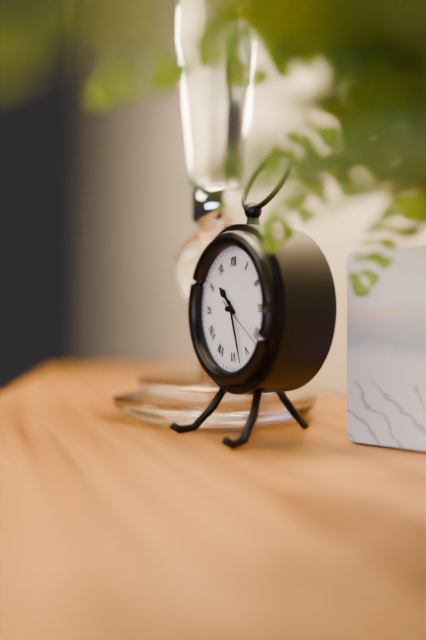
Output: **10:27:21**
